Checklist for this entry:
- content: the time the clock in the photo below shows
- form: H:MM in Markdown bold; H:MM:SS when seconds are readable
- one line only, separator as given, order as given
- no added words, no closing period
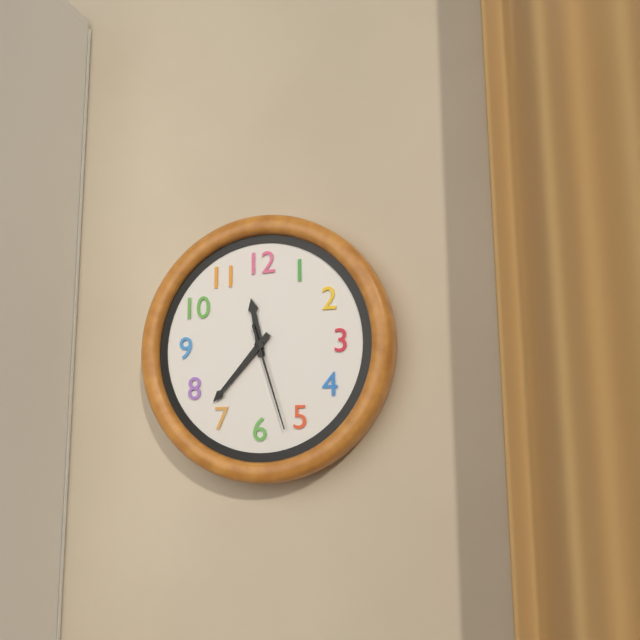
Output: **11:37:27**
